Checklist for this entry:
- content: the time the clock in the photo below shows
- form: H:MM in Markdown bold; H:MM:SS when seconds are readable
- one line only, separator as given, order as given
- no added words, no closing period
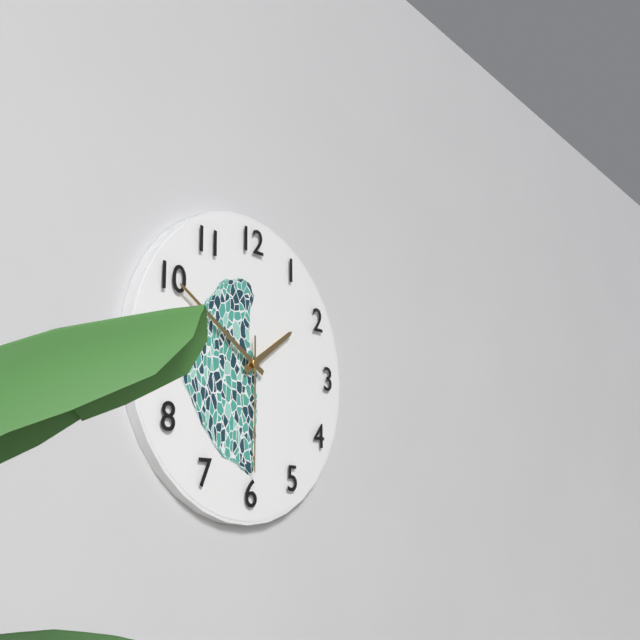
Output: **1:50:30**
